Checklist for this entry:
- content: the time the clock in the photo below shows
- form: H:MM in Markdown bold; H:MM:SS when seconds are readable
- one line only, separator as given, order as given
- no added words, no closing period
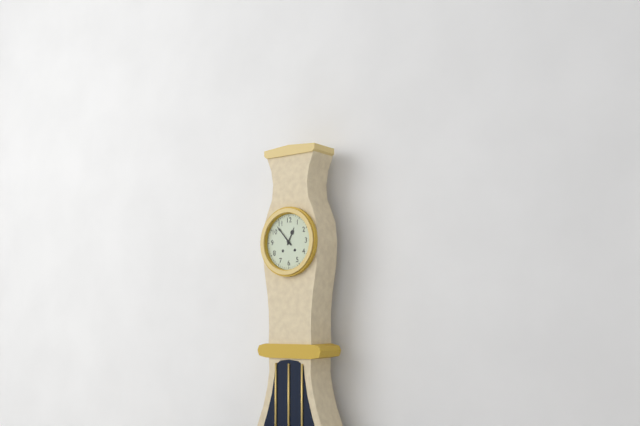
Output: **12:53**
